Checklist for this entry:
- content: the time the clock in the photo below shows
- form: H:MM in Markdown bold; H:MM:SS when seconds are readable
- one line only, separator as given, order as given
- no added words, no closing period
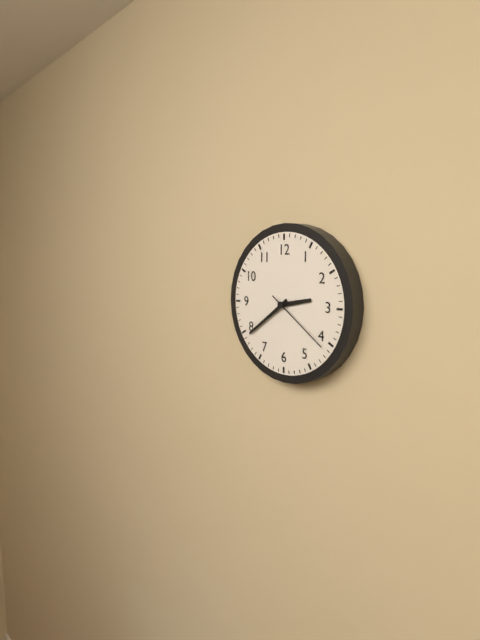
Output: **2:39:21**
